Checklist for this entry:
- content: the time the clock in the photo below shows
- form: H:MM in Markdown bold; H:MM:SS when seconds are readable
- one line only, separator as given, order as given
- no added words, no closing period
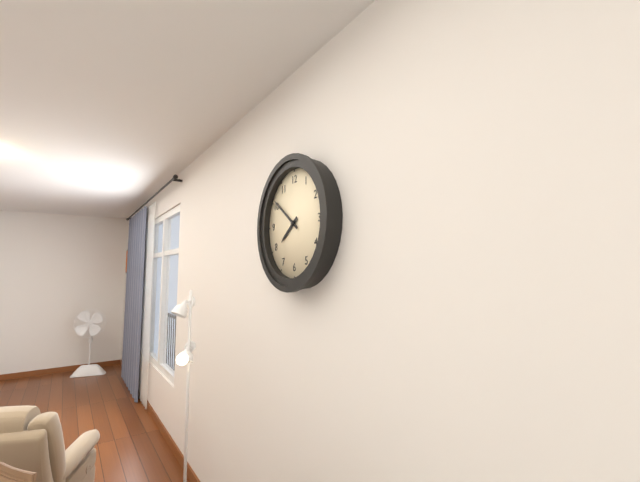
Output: **7:51**
